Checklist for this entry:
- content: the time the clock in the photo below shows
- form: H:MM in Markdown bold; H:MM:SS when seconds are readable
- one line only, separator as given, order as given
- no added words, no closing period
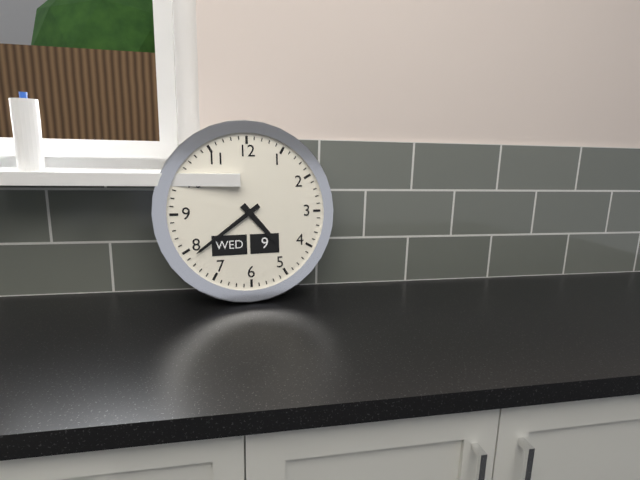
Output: **4:39**
